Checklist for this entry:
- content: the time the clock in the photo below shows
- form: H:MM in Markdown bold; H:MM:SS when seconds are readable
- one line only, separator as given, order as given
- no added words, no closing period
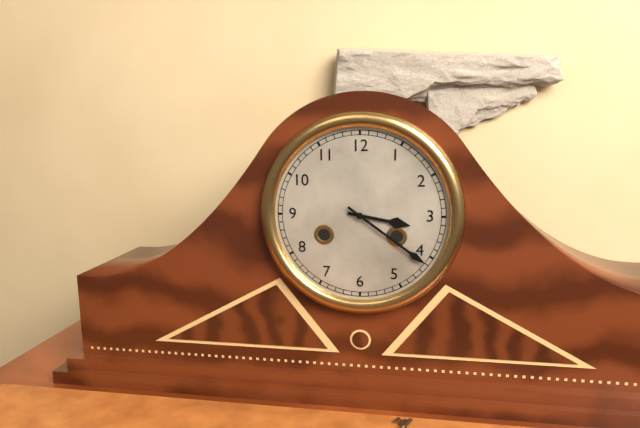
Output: **3:21**
